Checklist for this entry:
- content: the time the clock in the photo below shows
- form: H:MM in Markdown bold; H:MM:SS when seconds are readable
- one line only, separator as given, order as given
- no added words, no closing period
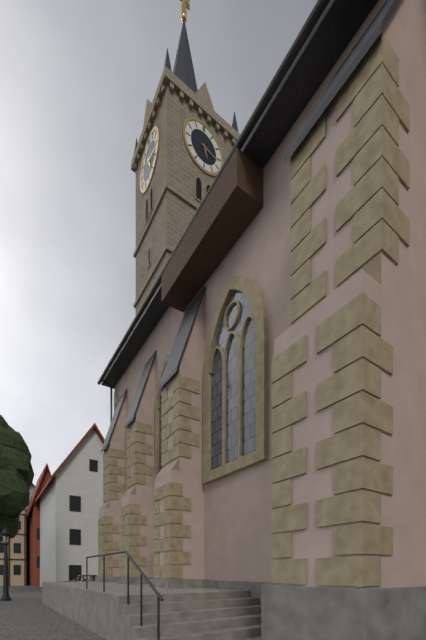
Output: **5:17**
